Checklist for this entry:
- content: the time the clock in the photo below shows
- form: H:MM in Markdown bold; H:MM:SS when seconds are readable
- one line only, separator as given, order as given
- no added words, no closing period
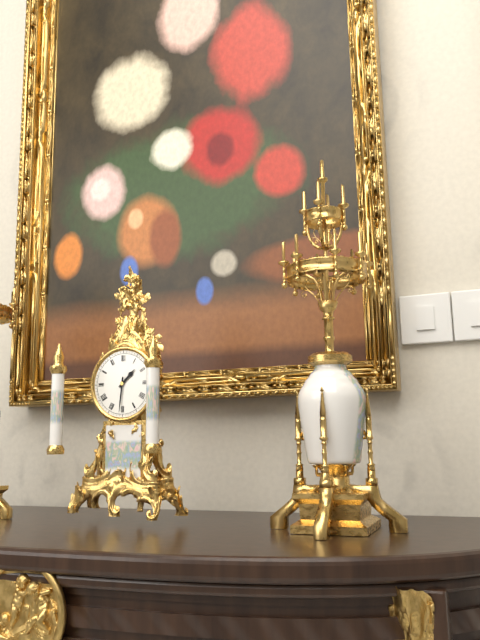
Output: **1:31**
